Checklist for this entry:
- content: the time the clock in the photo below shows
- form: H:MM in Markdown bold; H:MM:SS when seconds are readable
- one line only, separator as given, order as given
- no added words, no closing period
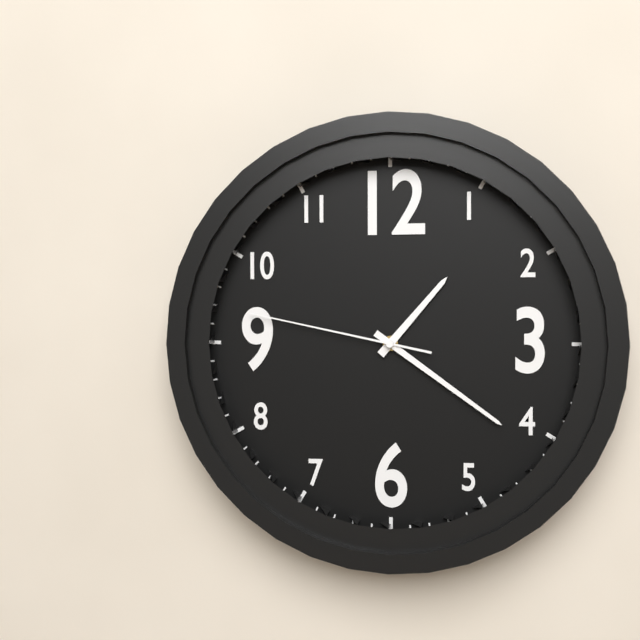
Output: **1:21:47**
